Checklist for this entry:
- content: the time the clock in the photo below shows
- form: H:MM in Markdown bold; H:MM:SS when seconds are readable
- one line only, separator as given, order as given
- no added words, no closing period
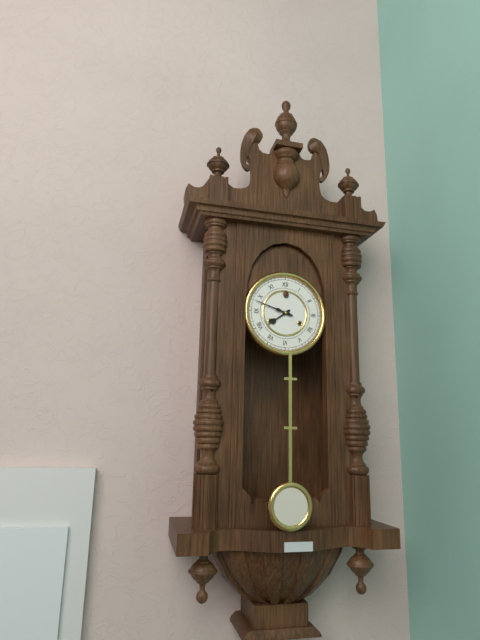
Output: **7:48**
